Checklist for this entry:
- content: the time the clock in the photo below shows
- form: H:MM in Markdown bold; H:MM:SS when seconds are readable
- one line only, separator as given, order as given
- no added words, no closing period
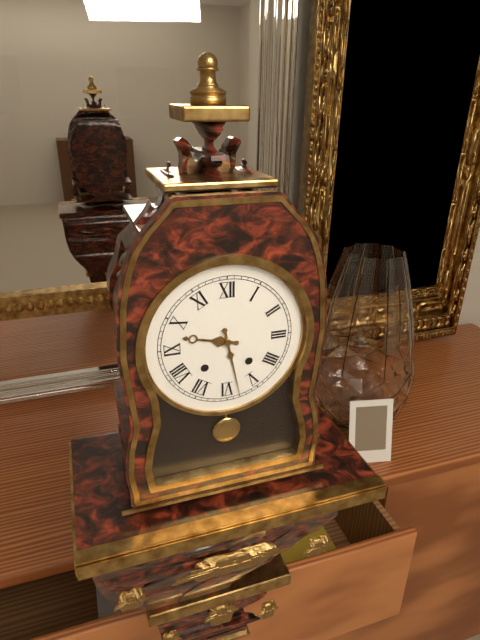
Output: **9:28**
